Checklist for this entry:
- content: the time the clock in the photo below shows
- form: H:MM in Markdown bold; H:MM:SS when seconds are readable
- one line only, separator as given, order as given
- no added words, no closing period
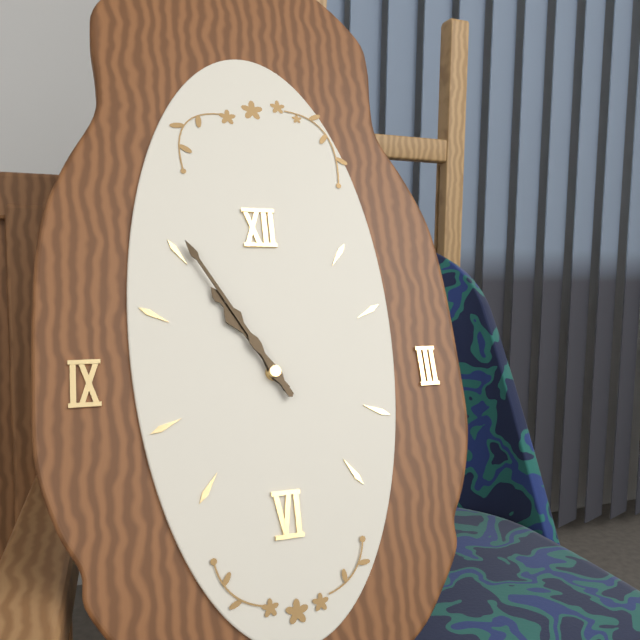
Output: **10:55**
